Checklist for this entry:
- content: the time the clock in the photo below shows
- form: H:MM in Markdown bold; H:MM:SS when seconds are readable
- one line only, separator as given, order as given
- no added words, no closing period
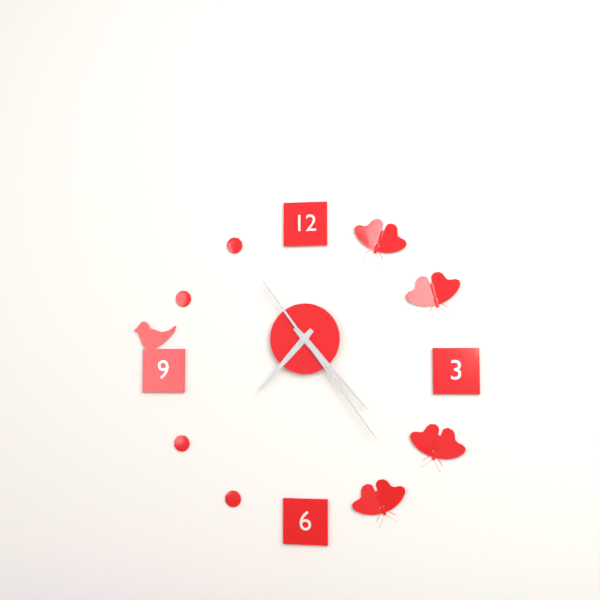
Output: **7:23:24**
